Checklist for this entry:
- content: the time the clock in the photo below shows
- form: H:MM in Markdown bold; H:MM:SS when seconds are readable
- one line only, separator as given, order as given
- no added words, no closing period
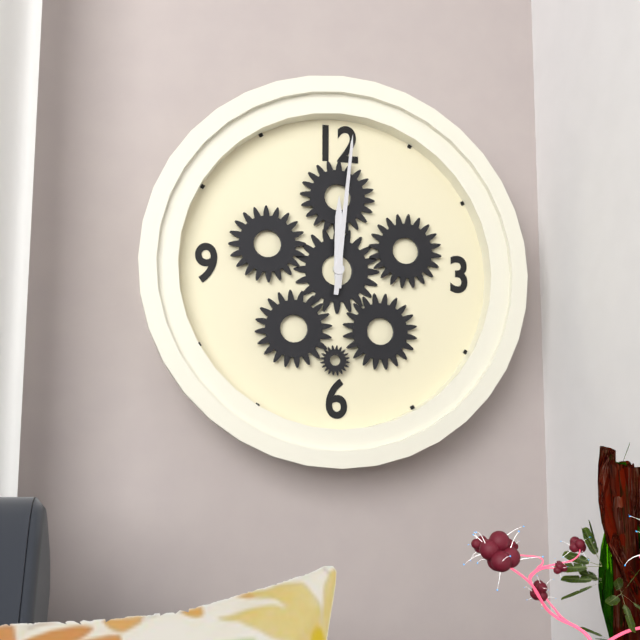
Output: **12:01**
